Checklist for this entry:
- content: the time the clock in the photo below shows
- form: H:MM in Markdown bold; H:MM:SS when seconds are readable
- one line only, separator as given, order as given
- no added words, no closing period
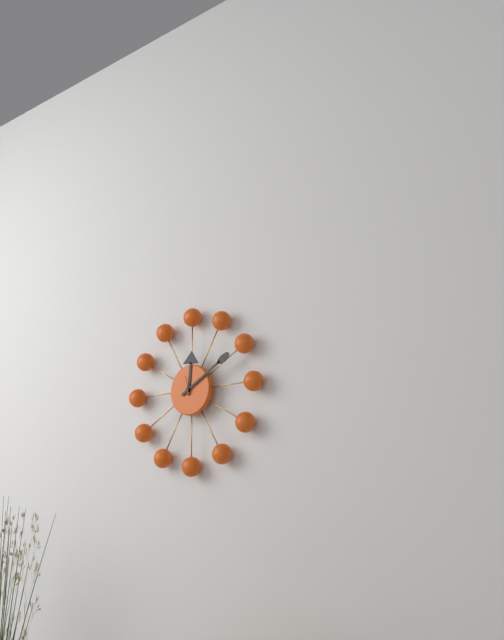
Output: **12:10**
